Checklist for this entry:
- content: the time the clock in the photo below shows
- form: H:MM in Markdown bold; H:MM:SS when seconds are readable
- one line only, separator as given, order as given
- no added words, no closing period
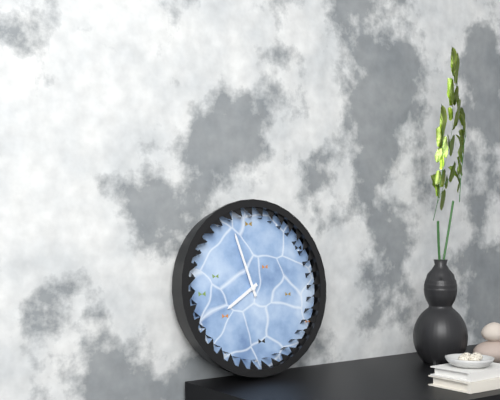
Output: **7:57**
